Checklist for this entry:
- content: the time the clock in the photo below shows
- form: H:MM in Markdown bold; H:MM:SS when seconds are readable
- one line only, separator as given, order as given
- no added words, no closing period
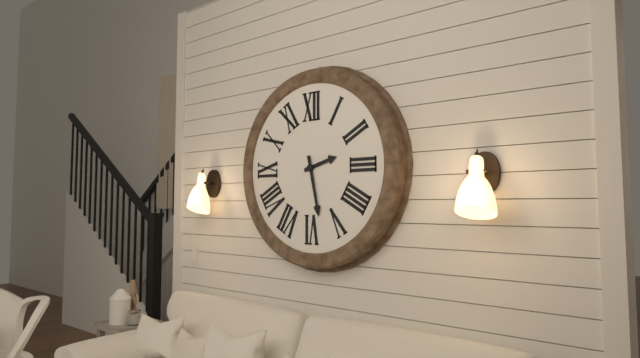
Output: **2:28**
